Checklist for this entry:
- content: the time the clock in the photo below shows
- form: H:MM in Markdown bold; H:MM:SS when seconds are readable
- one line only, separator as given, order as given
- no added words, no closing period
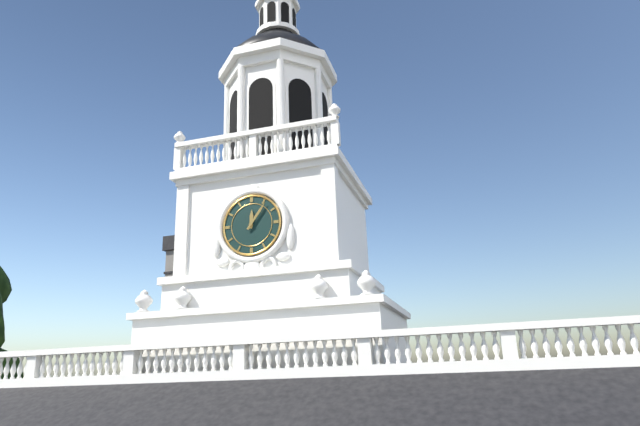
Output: **12:06**
